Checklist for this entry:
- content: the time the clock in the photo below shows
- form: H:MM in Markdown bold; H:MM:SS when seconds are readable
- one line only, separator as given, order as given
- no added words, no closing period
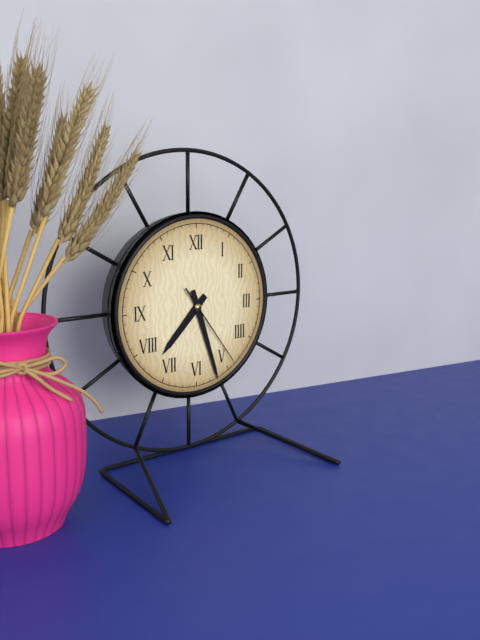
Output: **7:27:24**
